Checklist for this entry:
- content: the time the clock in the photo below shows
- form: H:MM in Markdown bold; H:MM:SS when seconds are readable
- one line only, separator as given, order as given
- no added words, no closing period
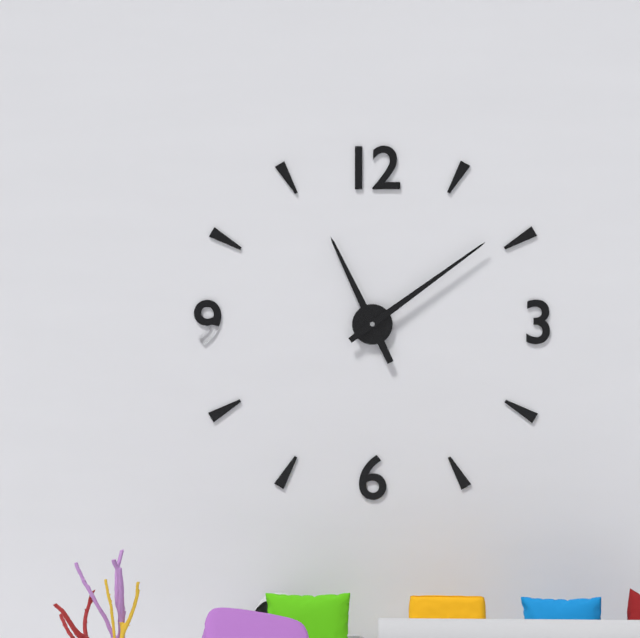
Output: **11:09**
